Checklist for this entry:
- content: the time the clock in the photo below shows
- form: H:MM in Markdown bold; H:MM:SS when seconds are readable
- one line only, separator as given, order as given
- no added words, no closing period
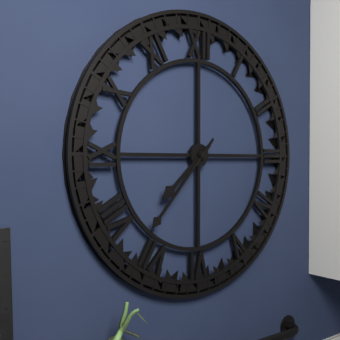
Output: **7:37**
